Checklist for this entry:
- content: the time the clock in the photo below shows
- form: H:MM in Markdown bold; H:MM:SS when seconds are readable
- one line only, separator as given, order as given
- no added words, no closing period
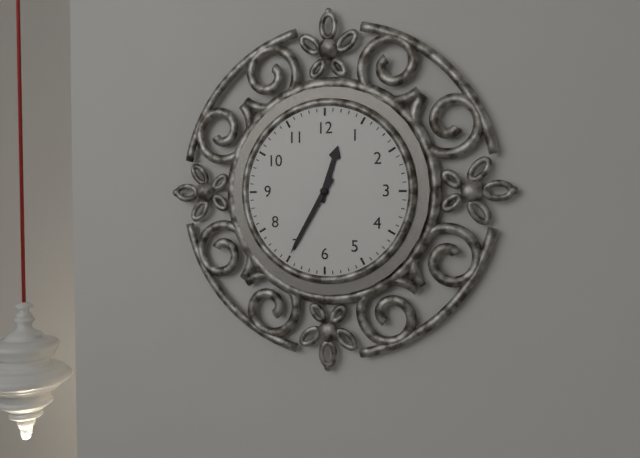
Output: **12:35**
